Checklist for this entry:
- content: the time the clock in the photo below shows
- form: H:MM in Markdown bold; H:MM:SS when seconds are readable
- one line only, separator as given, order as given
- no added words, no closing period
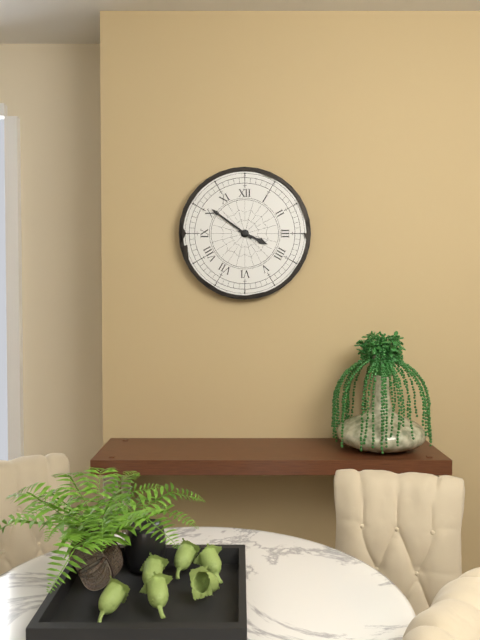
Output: **3:51**
